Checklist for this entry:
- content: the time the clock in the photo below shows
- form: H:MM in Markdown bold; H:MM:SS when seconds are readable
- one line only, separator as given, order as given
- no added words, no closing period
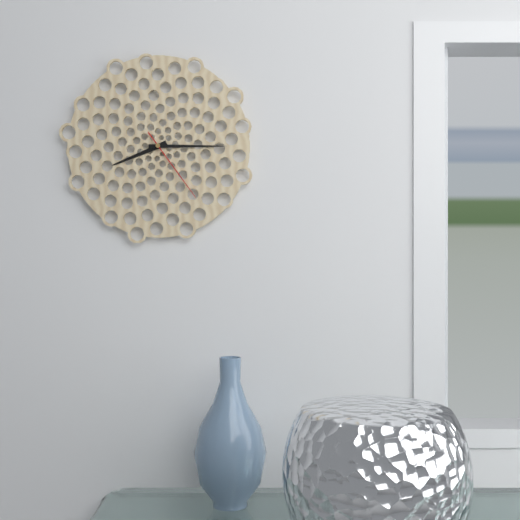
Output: **8:15:24**
